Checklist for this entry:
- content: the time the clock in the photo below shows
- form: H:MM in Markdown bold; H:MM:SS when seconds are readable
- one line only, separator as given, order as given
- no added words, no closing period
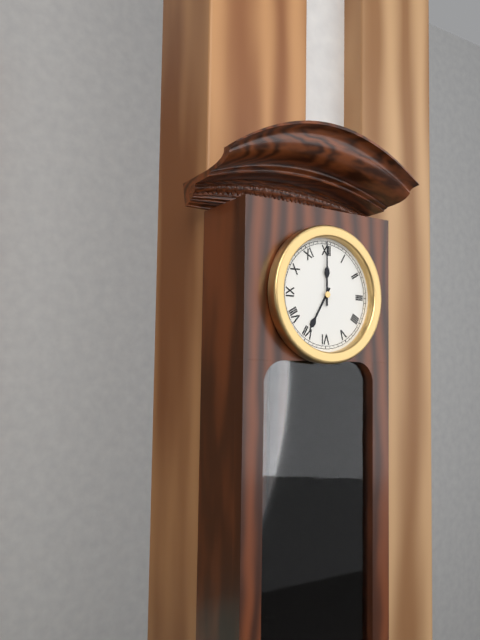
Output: **7:00**
